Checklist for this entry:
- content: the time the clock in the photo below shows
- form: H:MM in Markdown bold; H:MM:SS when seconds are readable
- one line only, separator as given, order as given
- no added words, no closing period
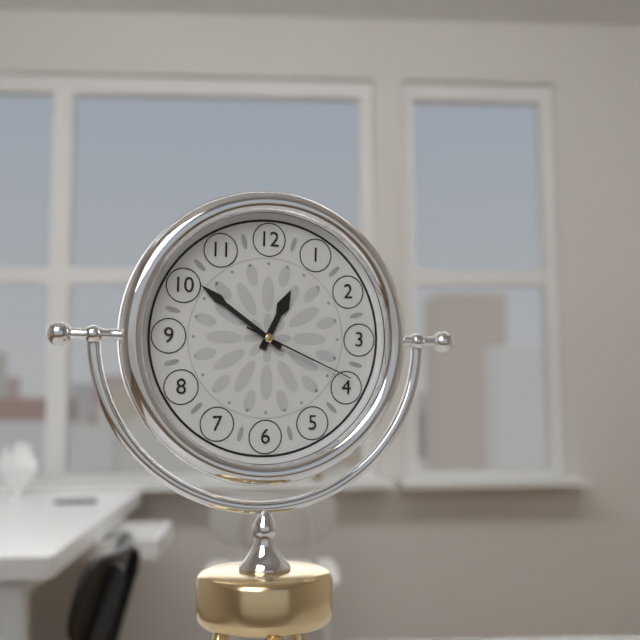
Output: **12:51:19**
